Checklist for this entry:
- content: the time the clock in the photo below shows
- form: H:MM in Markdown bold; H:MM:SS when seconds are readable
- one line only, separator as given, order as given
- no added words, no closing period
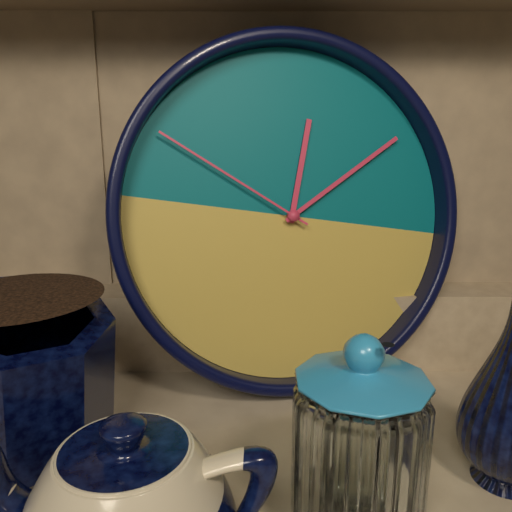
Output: **12:08:49**
